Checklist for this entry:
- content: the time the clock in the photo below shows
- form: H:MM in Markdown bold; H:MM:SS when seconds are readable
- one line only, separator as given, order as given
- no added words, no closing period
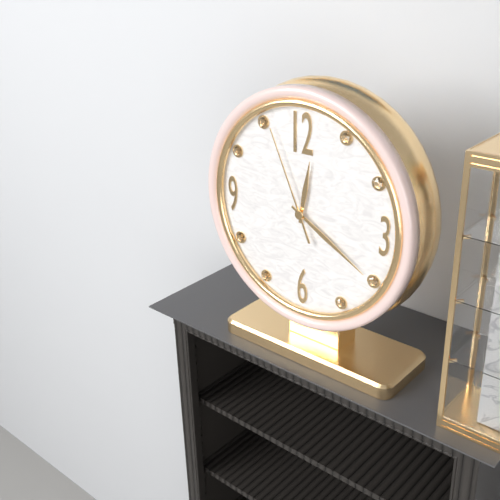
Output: **12:20:56**
